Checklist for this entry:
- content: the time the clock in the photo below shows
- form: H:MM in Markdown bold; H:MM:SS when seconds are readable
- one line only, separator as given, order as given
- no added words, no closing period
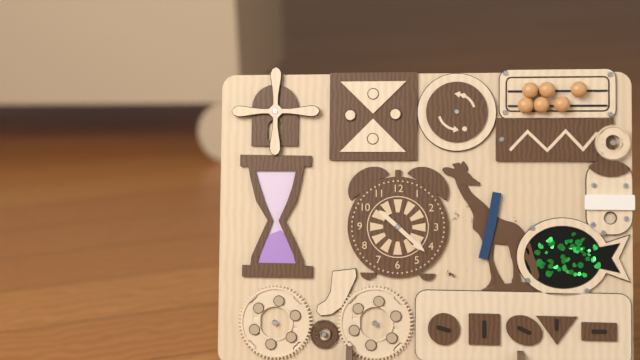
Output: **10:22**
